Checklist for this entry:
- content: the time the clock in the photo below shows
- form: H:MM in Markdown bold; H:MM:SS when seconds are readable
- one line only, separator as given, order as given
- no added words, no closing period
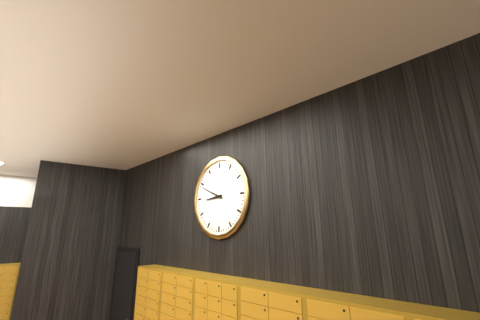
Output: **8:49**
